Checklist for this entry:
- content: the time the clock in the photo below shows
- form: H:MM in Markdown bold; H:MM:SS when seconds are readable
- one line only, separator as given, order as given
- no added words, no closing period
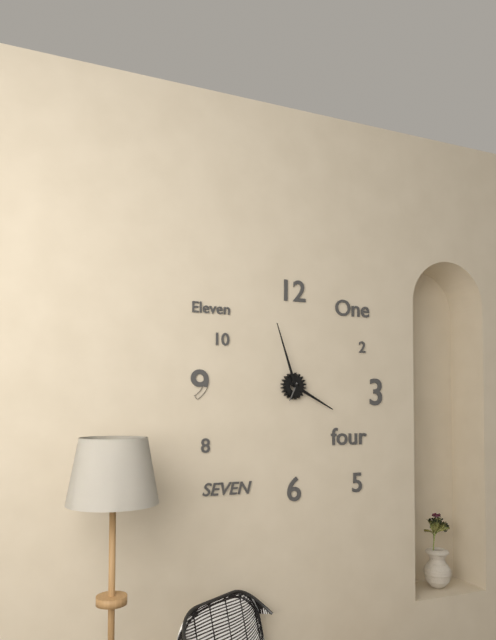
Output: **3:57**
